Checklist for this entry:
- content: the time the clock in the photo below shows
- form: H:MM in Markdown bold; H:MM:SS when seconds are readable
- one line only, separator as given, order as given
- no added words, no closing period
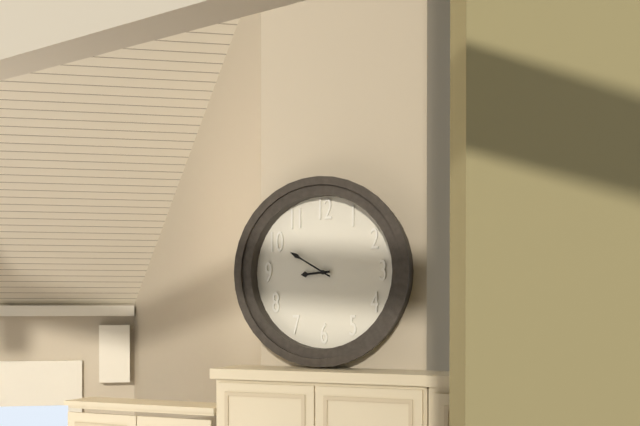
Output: **8:50**
